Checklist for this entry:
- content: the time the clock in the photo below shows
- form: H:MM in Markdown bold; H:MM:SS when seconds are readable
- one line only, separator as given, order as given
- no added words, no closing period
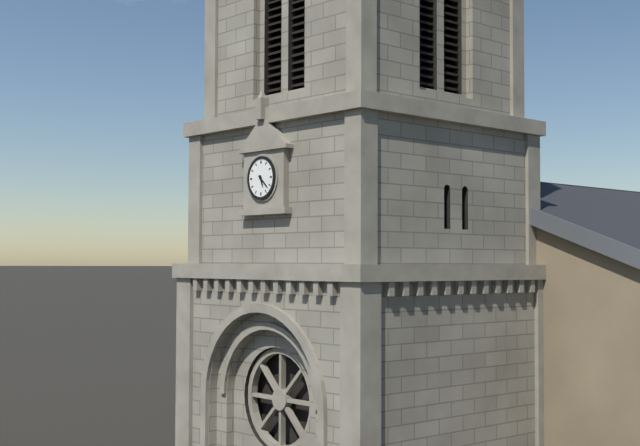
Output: **5:22**
